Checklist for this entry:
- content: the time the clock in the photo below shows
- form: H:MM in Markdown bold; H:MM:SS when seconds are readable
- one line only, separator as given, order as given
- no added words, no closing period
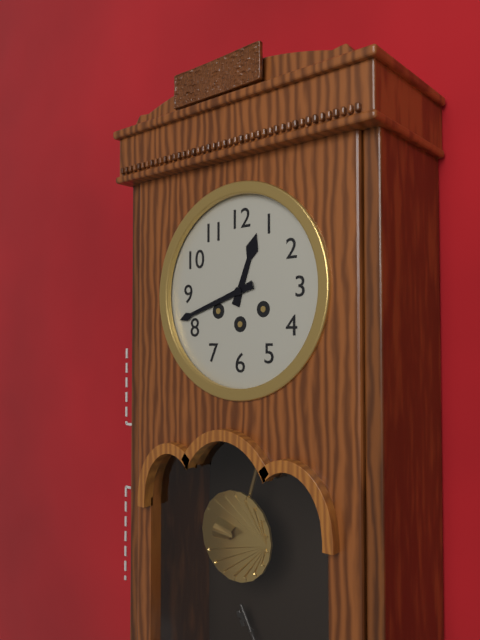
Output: **12:42**
